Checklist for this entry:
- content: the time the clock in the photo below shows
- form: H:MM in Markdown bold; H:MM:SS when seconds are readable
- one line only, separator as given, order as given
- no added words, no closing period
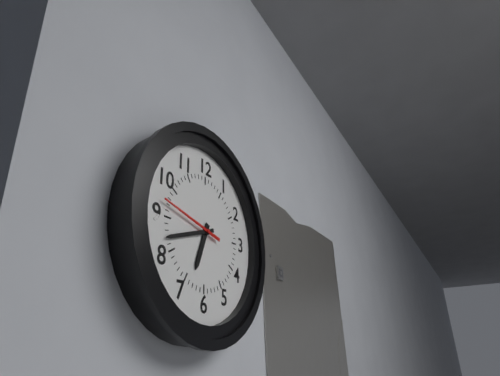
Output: **6:42:47**
